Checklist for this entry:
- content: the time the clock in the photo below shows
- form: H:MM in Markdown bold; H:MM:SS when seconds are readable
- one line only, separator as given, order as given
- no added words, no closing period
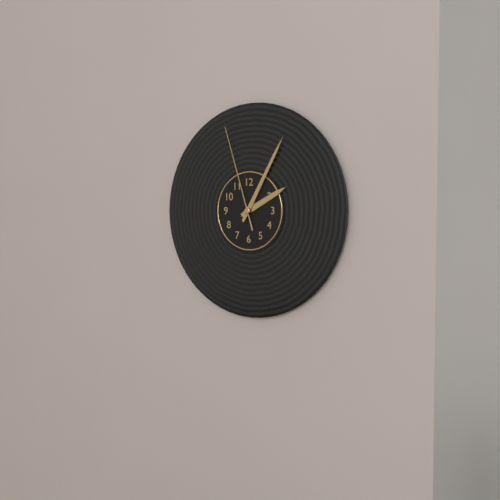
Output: **2:05:57**
